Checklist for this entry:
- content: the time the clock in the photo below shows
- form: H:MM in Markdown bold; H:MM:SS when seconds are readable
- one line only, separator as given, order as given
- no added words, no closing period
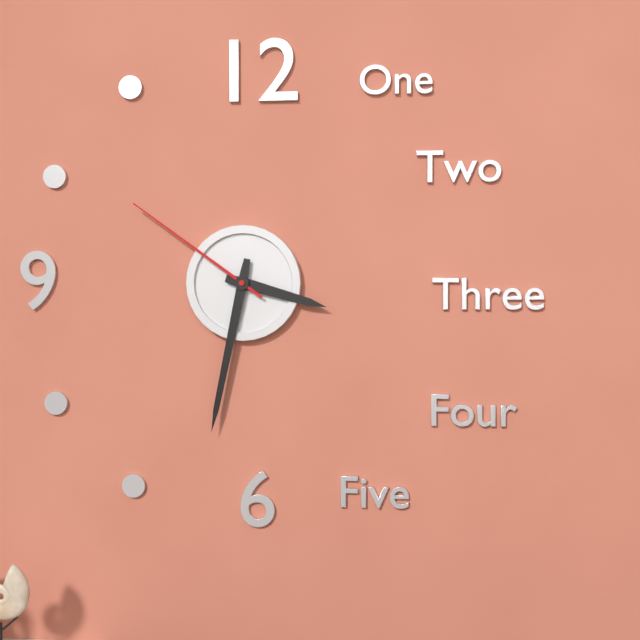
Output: **3:32:51**
